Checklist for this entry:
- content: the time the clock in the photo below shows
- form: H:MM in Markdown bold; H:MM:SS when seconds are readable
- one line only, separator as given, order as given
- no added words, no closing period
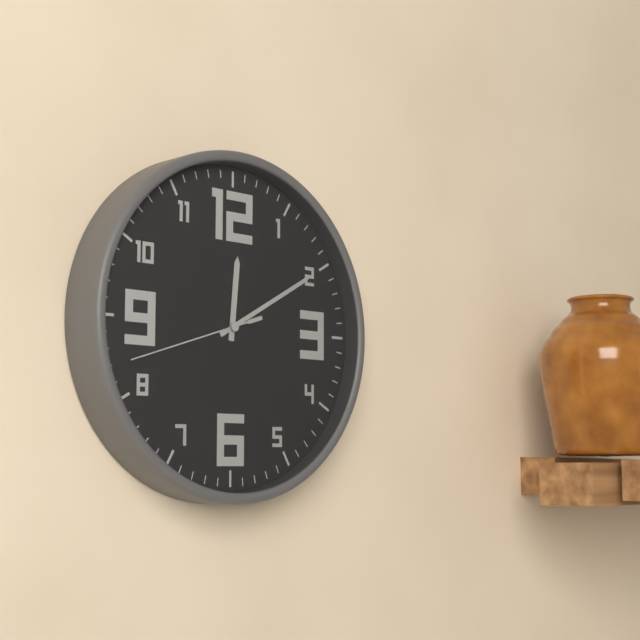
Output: **12:10:42**
